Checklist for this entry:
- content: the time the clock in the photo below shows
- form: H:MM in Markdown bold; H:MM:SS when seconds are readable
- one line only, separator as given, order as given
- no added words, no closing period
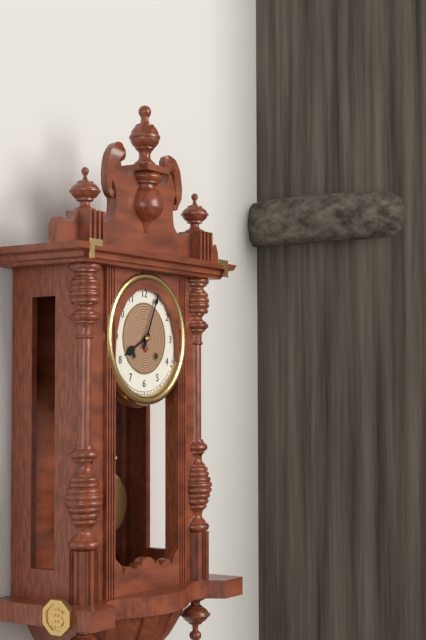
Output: **8:04**
